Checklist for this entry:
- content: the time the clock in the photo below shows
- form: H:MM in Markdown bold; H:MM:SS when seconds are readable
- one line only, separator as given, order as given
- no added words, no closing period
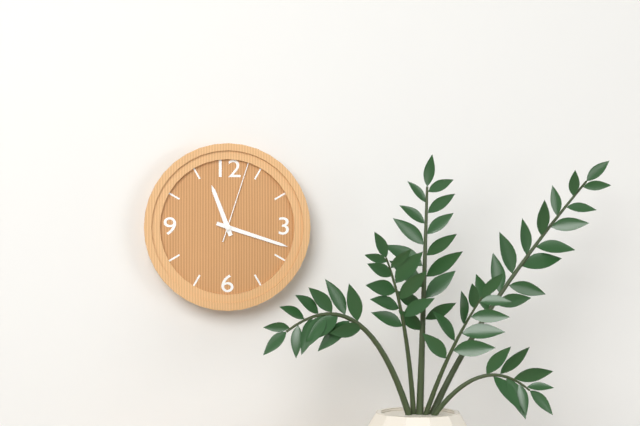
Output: **11:18:03**
